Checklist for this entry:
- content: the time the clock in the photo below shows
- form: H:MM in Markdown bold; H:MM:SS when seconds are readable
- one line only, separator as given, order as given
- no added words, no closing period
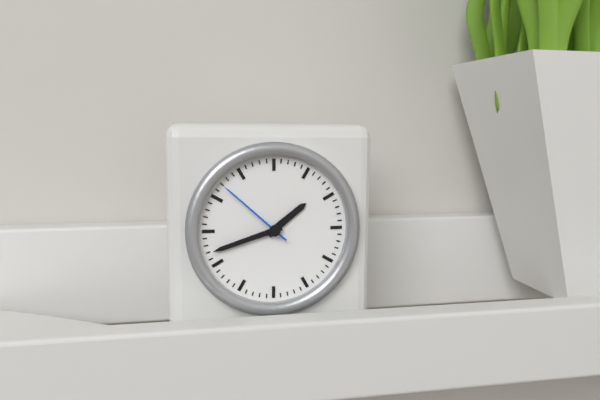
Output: **1:42:52**
